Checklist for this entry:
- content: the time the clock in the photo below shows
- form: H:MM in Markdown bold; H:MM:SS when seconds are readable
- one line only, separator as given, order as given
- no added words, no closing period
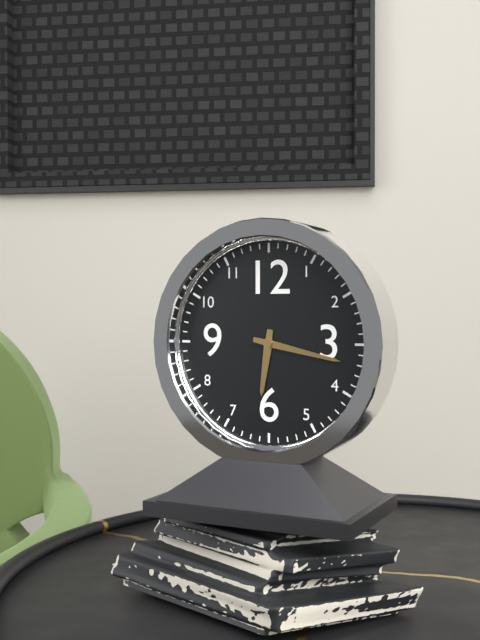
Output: **6:17**
